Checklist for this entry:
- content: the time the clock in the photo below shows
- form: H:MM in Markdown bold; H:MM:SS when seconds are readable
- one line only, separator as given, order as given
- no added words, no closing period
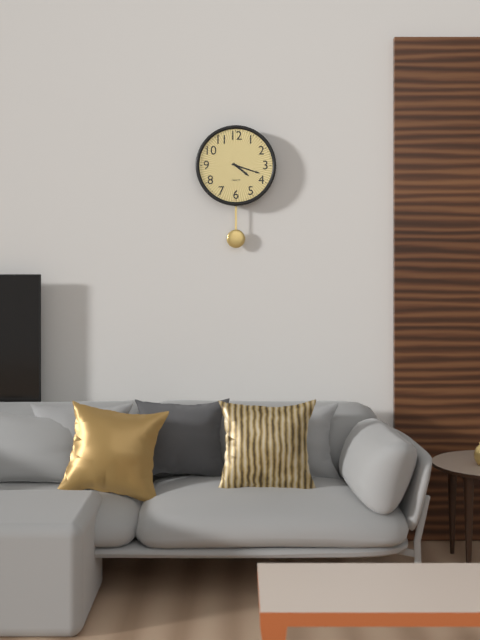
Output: **4:18**
